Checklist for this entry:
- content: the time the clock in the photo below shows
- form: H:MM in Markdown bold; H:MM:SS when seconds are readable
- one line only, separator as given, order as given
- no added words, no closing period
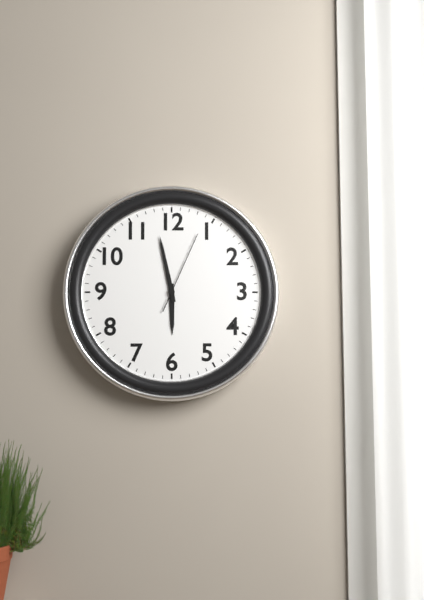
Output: **5:58:04**
